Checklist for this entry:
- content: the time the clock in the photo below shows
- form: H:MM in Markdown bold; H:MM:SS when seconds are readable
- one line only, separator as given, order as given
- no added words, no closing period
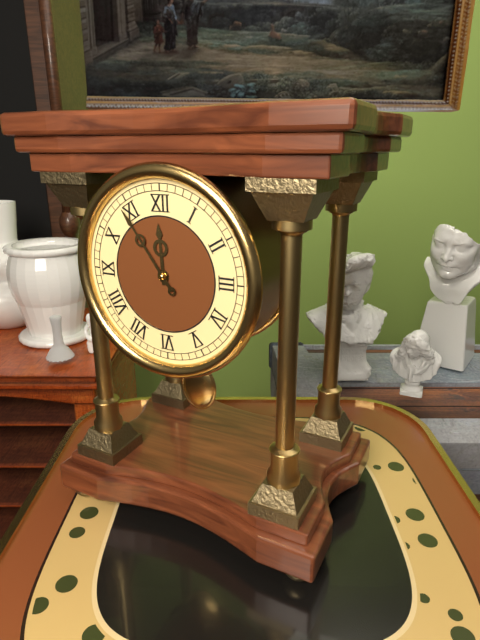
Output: **11:54**
